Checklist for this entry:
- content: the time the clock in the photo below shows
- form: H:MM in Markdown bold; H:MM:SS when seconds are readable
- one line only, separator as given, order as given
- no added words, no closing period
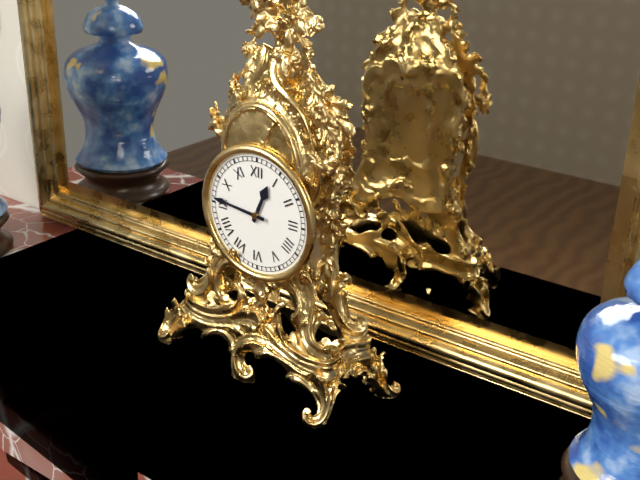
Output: **12:46**
